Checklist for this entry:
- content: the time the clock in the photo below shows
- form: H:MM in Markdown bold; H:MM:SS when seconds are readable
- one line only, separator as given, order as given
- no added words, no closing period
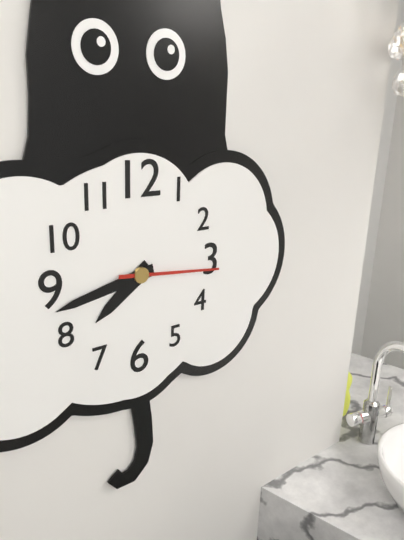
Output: **7:43:16**
